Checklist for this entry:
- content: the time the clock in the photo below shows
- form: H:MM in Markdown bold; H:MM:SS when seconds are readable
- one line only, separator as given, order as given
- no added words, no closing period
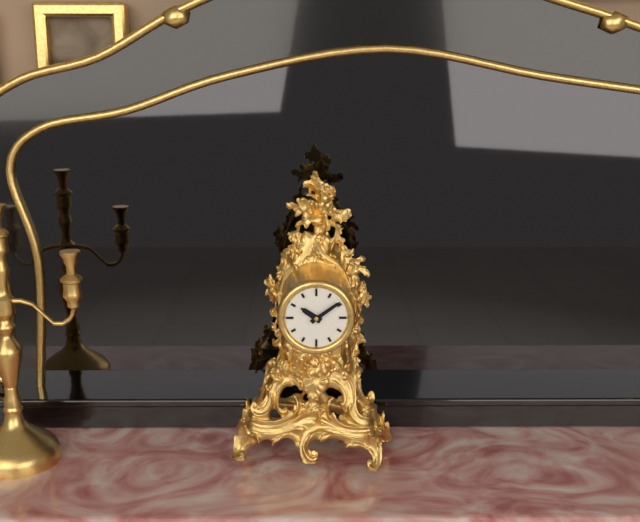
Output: **10:09**
